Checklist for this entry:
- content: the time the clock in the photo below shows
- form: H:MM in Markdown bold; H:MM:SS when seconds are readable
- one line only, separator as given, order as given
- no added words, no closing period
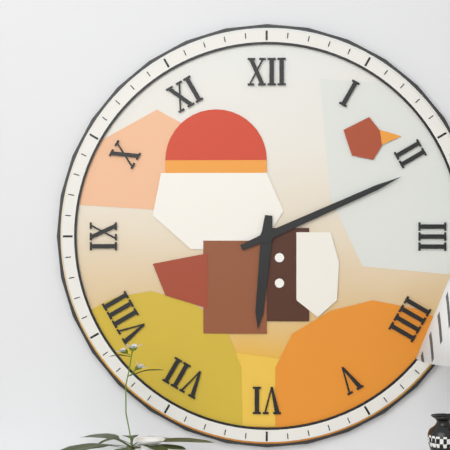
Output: **6:11**
